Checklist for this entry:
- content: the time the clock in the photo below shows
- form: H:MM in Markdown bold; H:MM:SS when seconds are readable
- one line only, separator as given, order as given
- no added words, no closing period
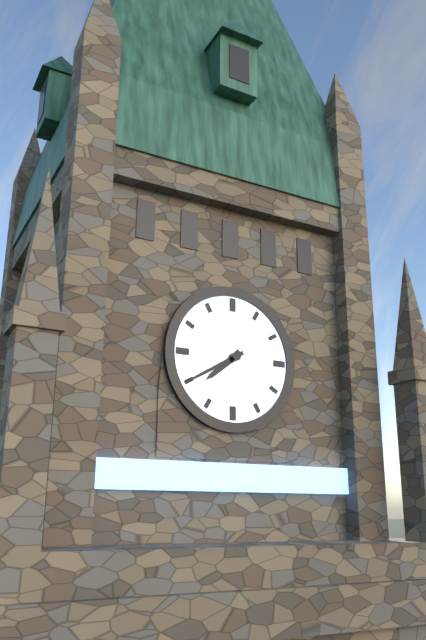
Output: **7:40**
